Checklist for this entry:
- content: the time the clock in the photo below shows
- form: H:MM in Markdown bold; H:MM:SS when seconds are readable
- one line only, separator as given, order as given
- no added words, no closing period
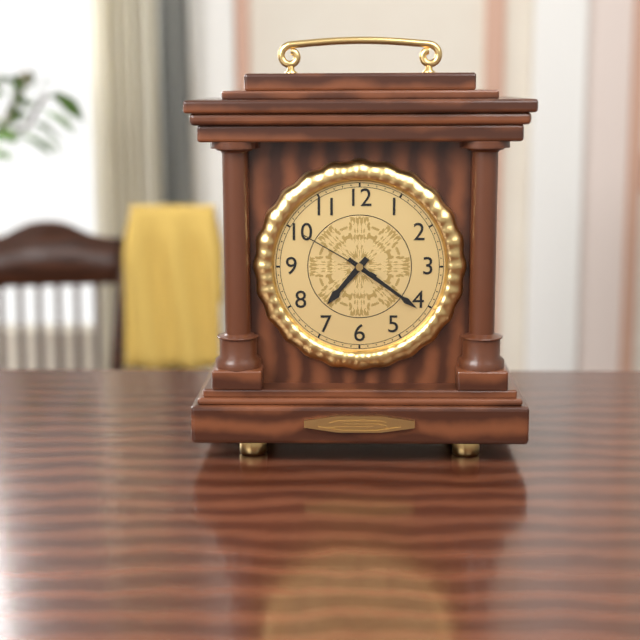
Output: **7:21:50**
